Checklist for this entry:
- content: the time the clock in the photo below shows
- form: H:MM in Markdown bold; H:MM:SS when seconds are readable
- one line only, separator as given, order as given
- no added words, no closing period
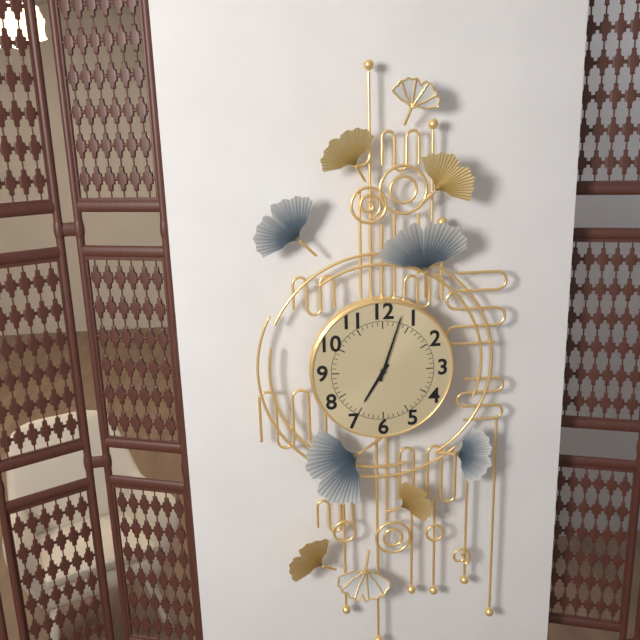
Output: **7:03**
